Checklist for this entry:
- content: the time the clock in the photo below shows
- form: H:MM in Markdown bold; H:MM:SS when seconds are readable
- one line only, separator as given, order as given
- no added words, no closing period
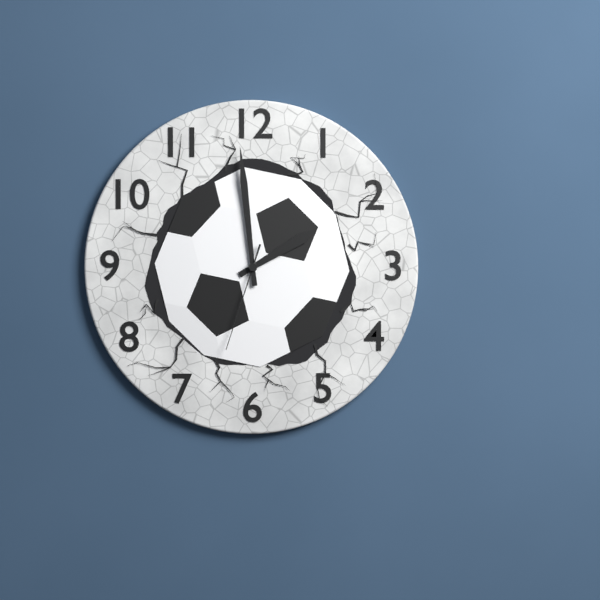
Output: **1:59:33**
